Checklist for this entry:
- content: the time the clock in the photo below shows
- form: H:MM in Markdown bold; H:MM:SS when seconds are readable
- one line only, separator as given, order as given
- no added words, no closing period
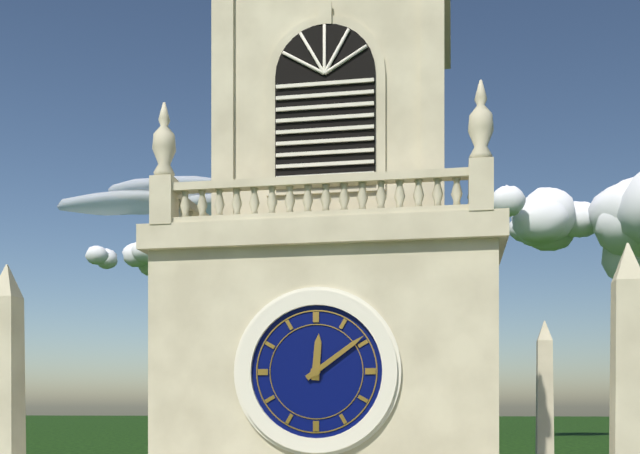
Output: **12:09**
